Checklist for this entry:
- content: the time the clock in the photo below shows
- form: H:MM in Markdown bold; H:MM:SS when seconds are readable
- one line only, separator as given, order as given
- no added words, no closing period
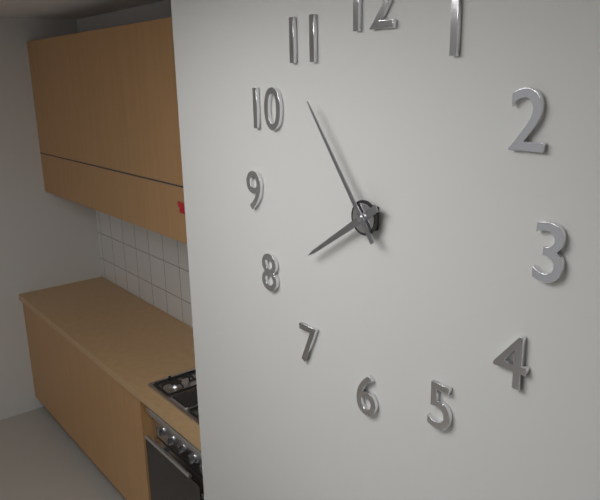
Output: **7:54**
